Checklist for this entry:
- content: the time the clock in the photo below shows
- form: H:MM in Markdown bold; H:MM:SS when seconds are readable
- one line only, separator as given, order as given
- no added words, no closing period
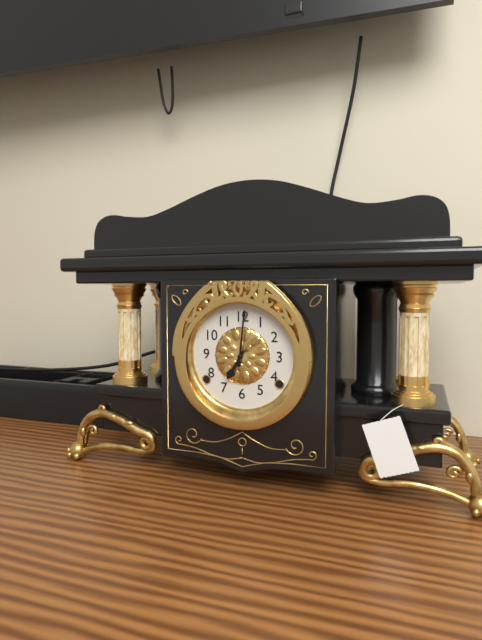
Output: **7:01**
